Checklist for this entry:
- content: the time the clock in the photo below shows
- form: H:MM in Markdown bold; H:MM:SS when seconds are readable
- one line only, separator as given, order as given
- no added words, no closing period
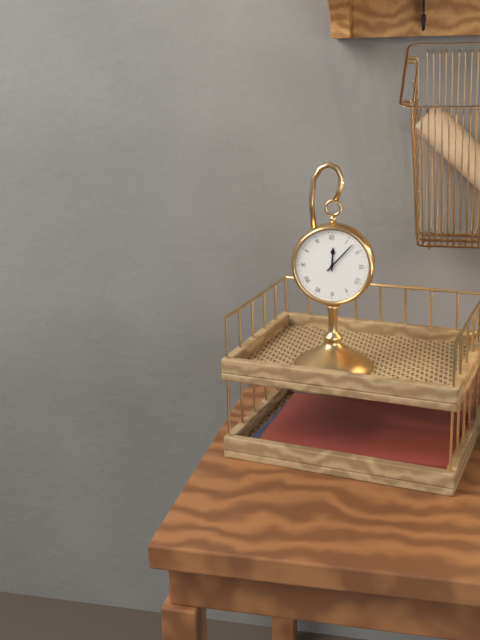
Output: **12:07**
